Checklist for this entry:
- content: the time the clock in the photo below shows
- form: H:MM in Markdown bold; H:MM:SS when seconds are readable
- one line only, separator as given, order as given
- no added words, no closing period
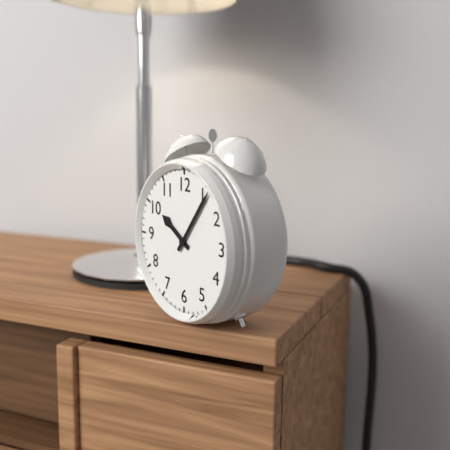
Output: **10:06**
